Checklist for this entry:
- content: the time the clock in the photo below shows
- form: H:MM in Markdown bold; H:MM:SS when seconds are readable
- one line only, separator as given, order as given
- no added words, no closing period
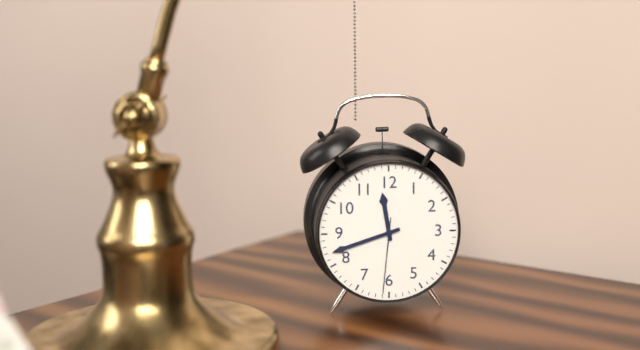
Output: **11:42:31**
